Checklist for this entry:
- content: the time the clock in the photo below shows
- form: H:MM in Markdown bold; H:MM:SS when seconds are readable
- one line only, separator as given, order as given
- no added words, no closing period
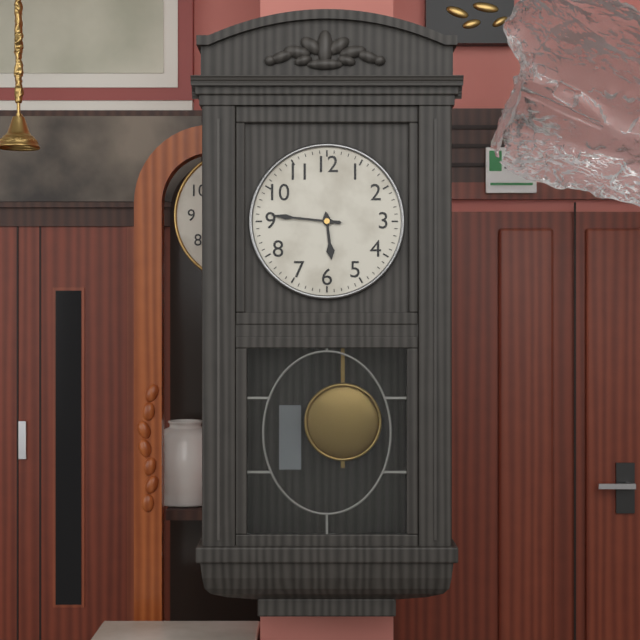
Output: **5:46**
